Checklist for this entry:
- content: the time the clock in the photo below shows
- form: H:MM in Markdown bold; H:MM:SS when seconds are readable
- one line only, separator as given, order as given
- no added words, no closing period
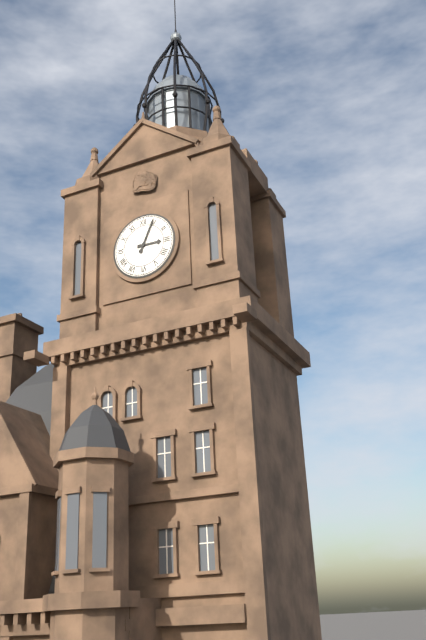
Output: **3:04**
